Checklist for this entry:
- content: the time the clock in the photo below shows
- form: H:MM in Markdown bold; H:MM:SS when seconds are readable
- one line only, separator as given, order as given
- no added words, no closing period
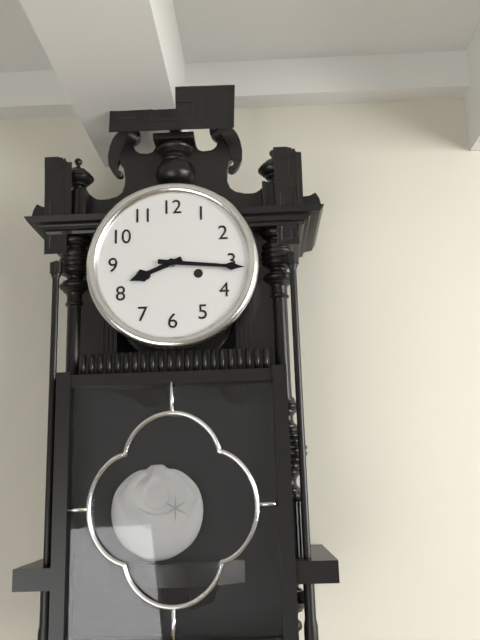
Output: **8:16**
